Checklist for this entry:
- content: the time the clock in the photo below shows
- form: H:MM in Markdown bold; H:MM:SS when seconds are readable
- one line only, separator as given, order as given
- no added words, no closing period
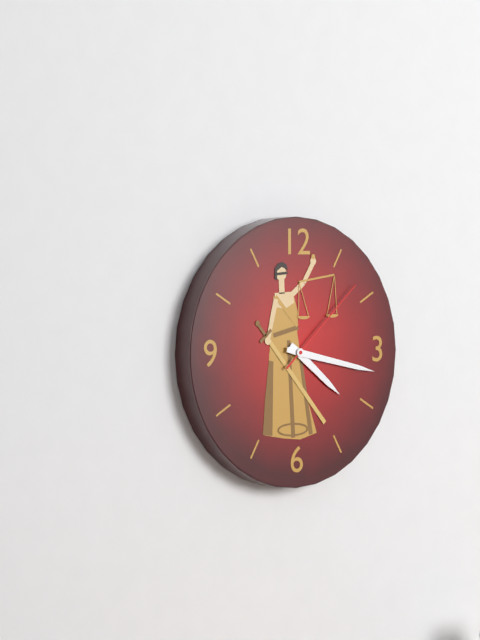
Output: **4:17:08**
